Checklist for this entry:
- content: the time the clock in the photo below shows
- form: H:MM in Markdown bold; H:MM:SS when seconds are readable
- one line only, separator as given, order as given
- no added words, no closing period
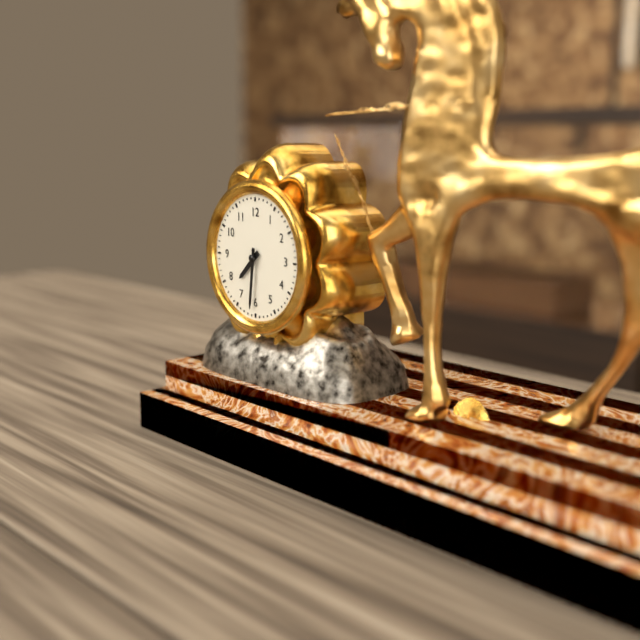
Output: **7:31**
